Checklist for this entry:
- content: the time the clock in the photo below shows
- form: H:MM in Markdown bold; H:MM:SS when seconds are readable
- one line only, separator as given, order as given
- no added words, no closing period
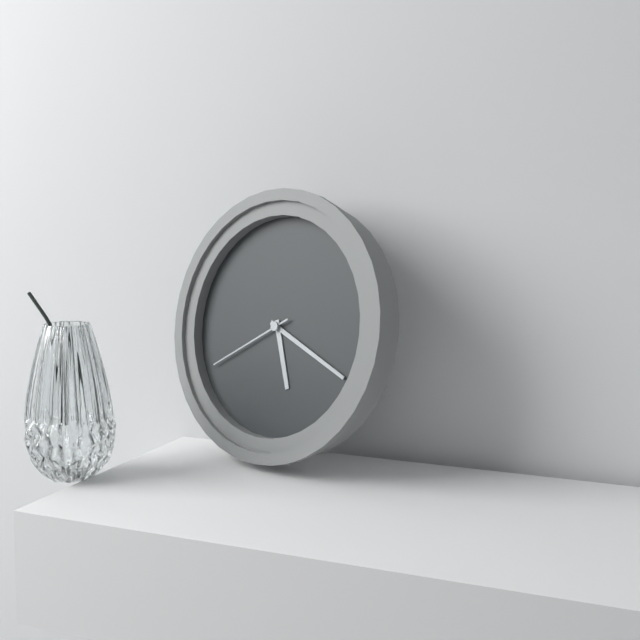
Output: **5:19:40**
